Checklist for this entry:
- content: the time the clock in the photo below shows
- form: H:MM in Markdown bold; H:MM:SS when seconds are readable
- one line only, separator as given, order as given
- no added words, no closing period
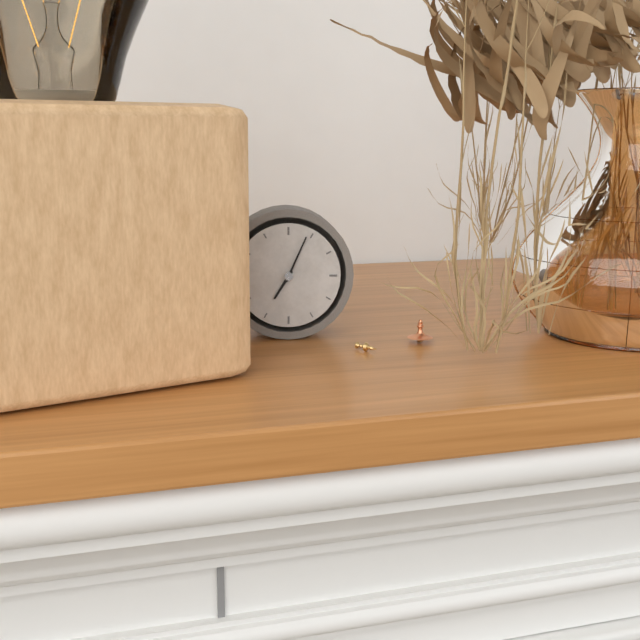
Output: **7:04**
